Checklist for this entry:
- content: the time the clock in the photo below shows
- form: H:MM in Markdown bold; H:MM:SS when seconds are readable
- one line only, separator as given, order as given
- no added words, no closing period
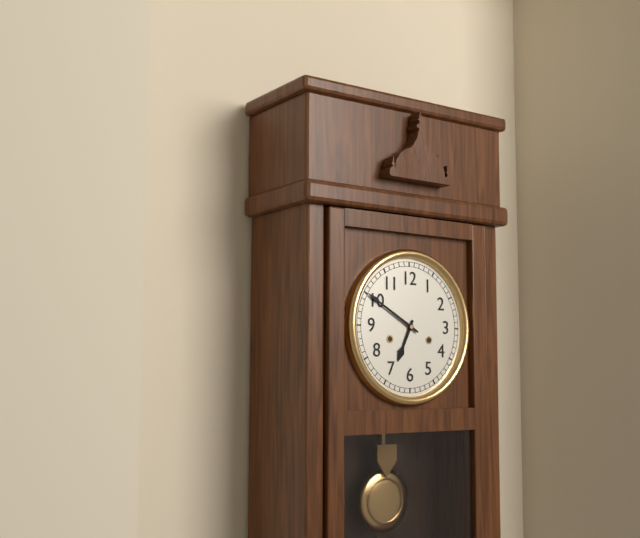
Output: **6:50**
